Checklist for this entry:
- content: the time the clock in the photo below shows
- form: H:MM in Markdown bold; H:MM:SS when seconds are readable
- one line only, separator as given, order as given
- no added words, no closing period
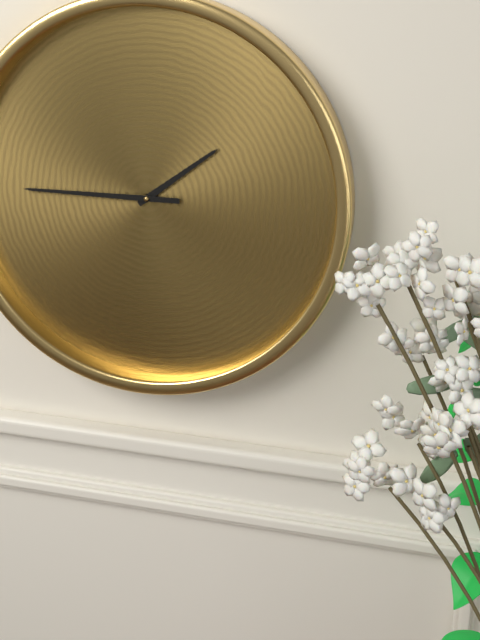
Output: **1:45**
